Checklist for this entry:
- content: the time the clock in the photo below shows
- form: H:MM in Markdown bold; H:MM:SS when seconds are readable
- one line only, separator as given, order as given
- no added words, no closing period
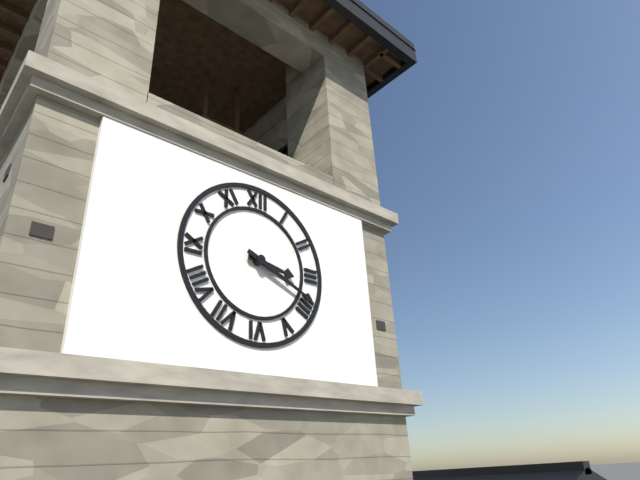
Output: **3:19**
